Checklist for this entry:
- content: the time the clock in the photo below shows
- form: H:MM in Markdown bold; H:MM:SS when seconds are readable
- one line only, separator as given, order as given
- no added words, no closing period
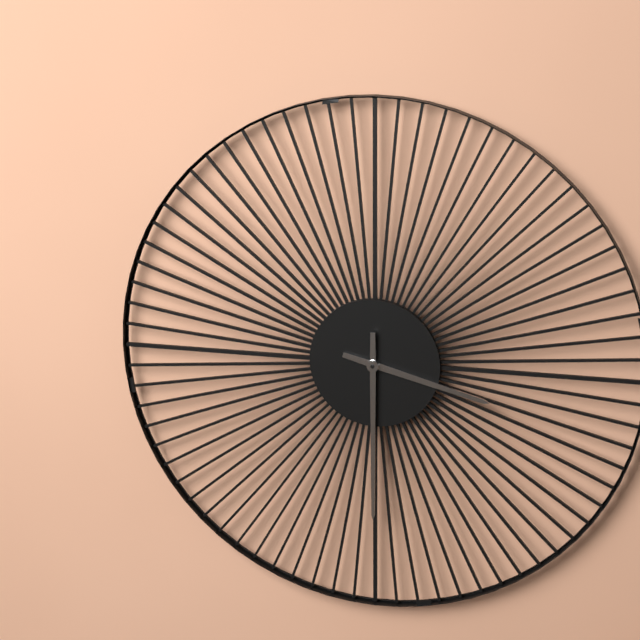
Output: **3:30**
